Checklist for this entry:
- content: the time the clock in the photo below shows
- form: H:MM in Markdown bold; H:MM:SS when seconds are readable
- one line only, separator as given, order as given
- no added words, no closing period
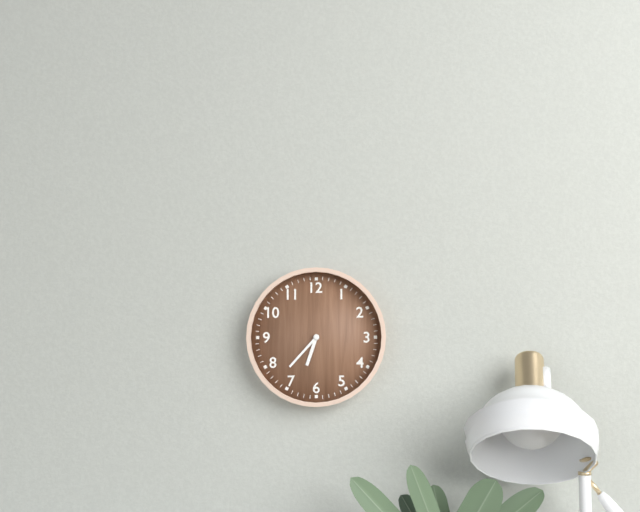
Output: **6:37**
